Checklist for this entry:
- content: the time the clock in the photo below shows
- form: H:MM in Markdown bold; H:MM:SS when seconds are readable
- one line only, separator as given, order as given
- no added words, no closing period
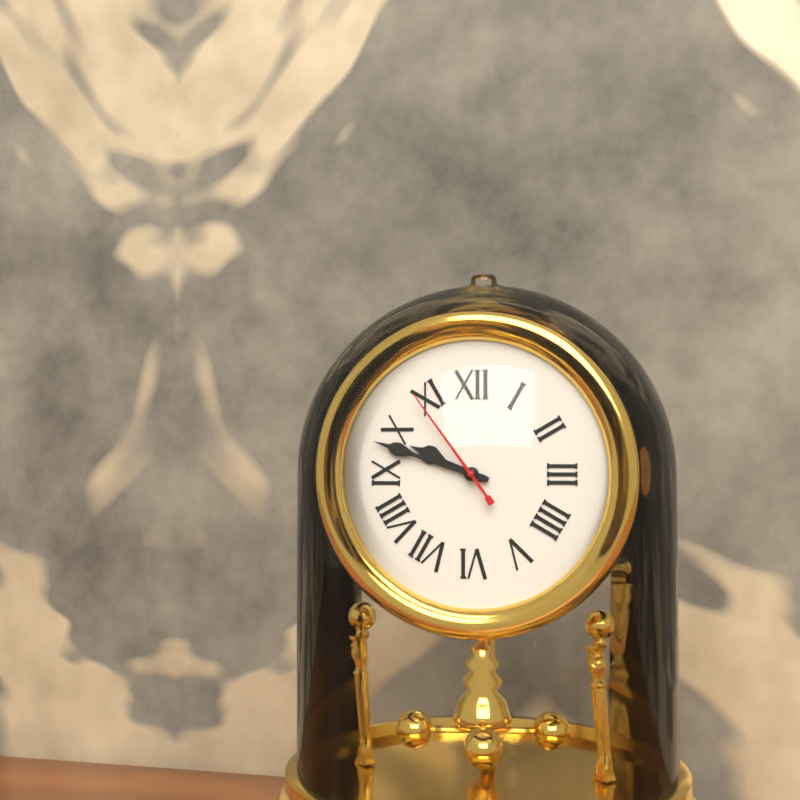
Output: **9:48:54**
